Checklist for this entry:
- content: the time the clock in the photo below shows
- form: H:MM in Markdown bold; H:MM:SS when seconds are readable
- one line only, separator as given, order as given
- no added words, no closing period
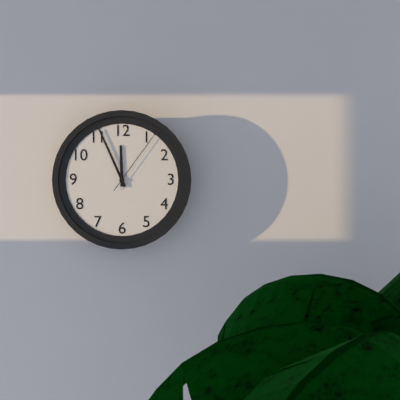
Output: **11:56:06**
